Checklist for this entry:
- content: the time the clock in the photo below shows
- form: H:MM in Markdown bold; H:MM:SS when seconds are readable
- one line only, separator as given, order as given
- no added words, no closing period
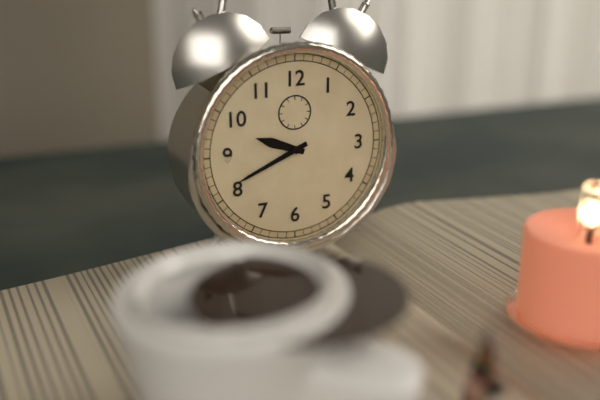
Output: **9:41**
